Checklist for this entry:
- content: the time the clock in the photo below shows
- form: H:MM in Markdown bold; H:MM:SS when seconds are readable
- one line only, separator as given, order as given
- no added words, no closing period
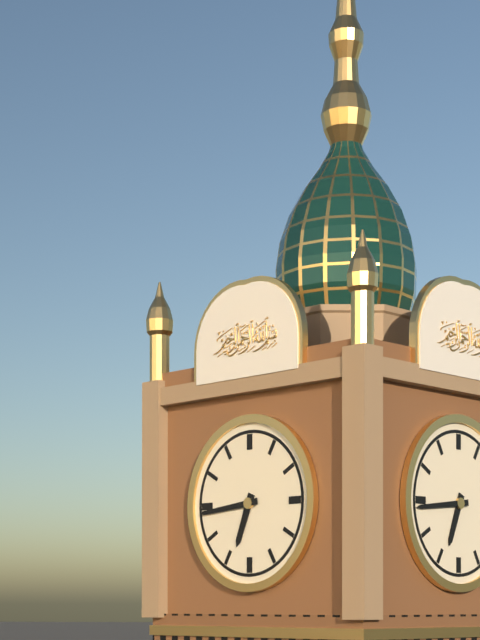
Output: **6:44**
